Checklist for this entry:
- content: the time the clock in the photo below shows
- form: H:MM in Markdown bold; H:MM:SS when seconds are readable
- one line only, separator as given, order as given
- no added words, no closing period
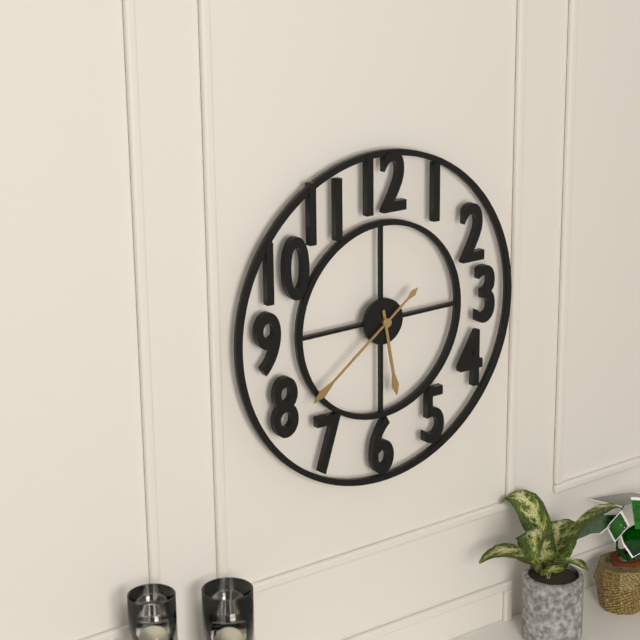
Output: **5:39**
